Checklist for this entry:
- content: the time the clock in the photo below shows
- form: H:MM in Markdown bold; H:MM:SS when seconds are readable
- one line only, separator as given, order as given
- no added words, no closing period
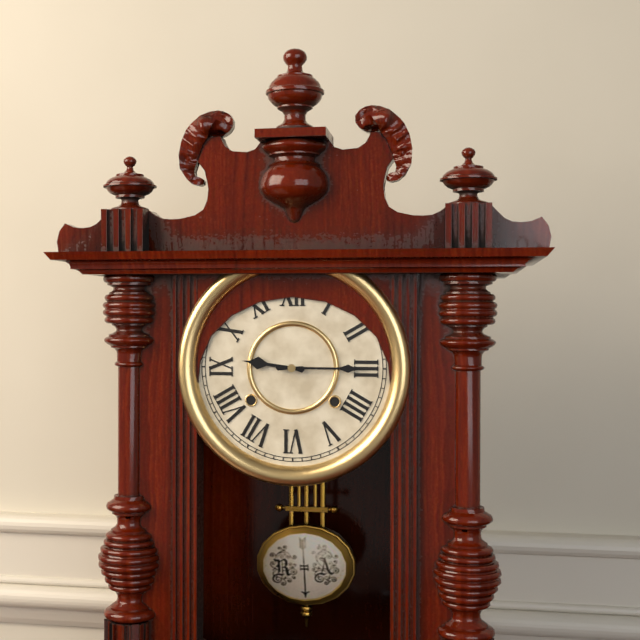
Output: **9:15**
